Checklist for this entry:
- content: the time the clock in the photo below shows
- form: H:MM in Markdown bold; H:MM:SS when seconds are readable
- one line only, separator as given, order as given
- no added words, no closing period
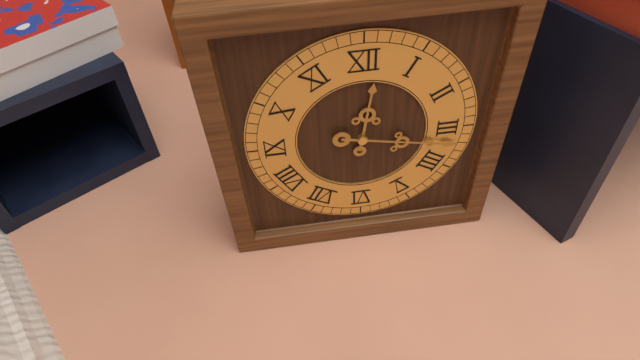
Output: **12:17**
